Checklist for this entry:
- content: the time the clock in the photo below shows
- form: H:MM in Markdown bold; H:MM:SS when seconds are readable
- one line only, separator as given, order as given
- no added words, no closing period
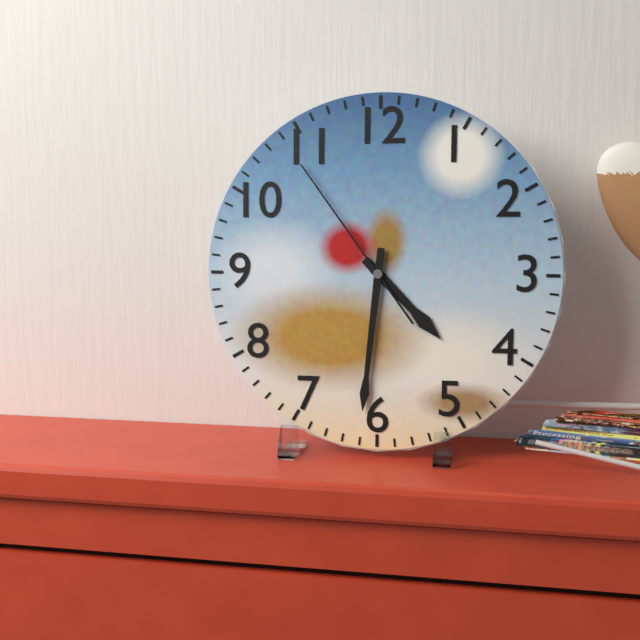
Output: **4:31:54**
